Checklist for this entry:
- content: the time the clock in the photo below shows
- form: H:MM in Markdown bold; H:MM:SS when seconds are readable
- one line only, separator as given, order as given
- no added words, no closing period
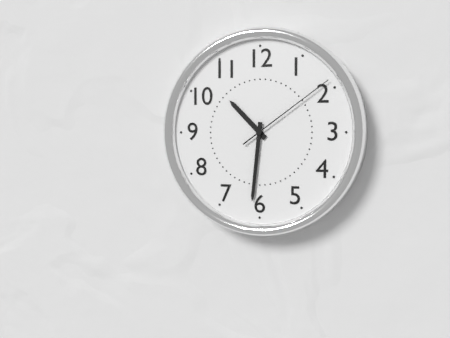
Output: **10:31:09**
